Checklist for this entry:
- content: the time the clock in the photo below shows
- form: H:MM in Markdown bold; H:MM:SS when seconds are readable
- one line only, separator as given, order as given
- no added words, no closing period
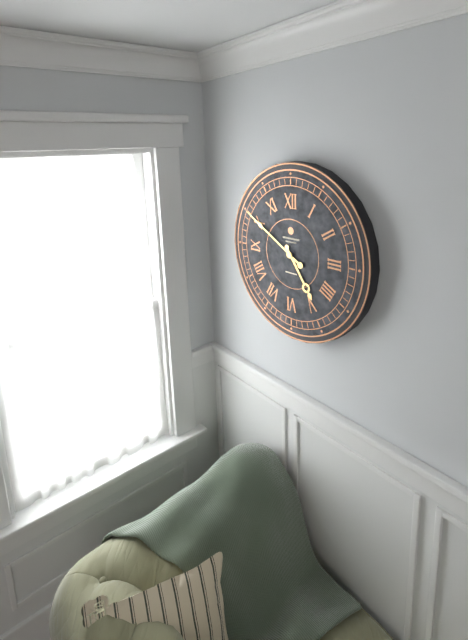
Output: **4:50**
